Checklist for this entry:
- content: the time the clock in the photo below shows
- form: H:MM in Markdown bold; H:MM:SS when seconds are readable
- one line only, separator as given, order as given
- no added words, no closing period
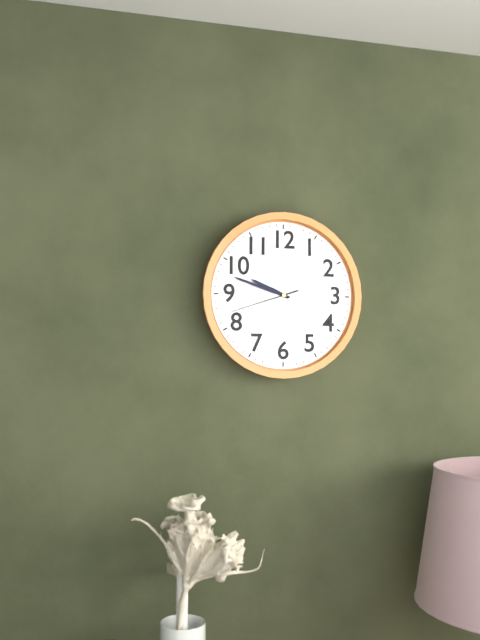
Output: **9:48:42**
